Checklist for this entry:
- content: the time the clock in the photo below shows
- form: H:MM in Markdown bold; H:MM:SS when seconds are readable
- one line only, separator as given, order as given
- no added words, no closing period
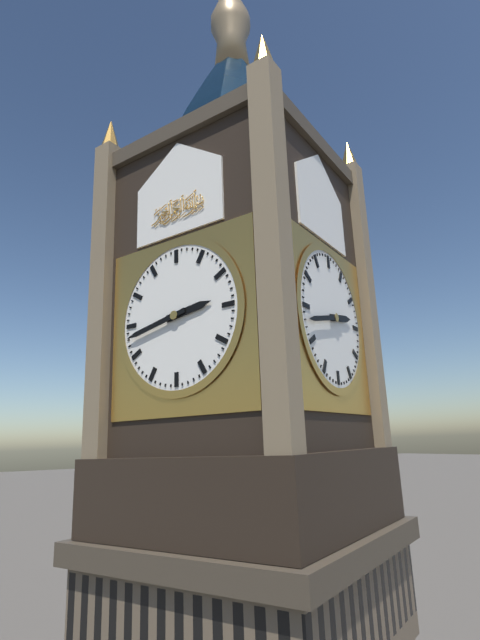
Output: **2:43**
